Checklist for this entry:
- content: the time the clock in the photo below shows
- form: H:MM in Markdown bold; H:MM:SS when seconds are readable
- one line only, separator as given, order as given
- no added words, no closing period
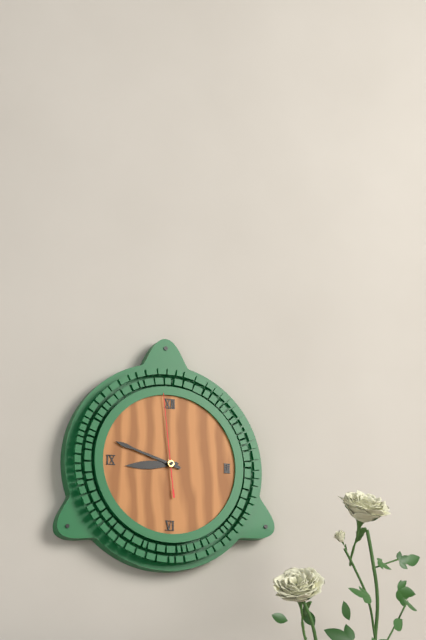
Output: **8:48:59**
